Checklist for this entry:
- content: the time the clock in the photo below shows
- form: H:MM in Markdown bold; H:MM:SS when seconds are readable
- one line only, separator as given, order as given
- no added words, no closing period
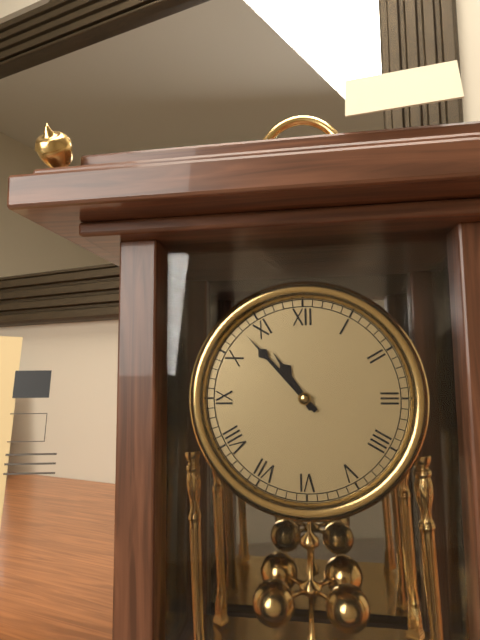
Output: **10:53**
